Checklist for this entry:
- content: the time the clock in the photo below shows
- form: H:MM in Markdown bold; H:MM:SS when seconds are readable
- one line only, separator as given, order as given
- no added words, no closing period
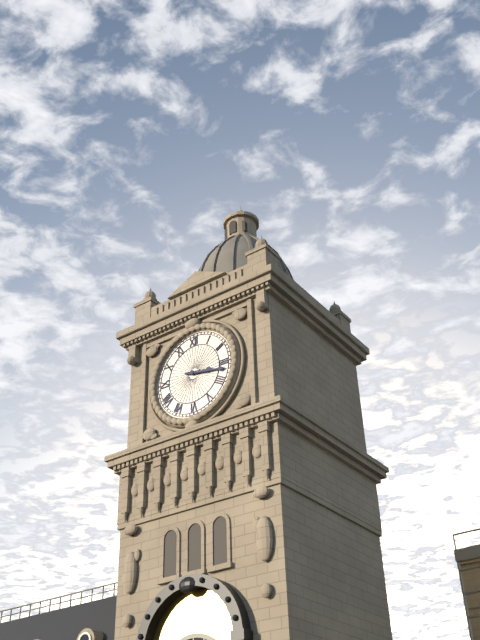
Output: **3:17**
